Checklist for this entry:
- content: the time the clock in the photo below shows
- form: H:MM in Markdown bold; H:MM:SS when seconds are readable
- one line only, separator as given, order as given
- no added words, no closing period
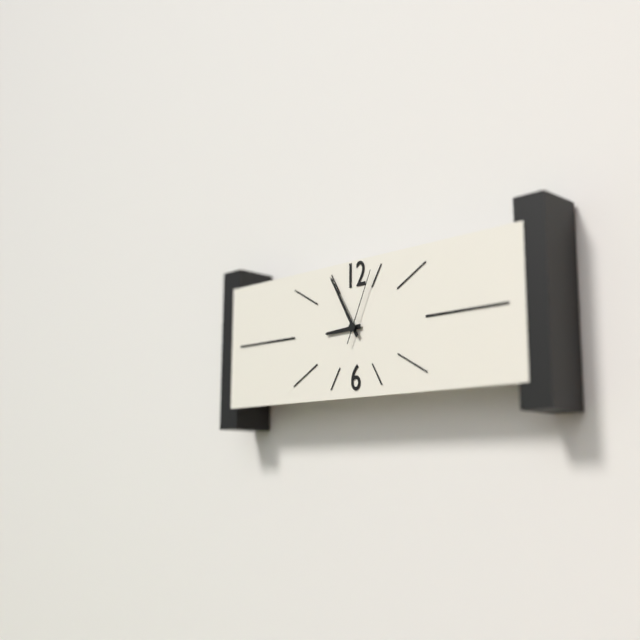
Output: **8:55:04**
